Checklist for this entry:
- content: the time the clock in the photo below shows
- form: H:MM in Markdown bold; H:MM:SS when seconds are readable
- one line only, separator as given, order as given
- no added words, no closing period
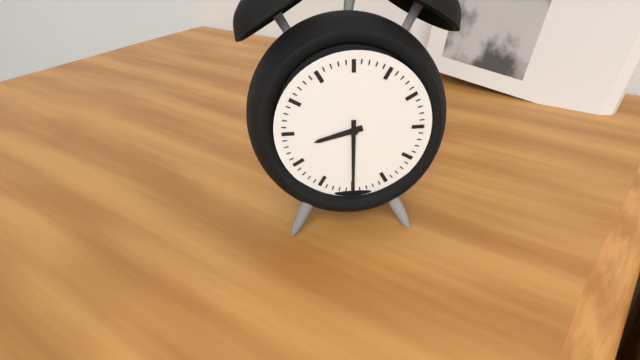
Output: **8:30**
